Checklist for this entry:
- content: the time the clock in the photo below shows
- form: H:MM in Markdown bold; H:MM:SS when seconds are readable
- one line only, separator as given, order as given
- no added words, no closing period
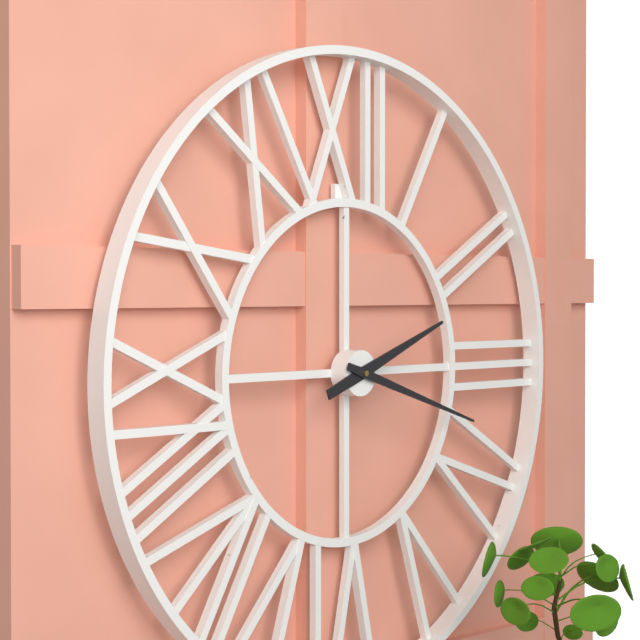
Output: **2:18**
